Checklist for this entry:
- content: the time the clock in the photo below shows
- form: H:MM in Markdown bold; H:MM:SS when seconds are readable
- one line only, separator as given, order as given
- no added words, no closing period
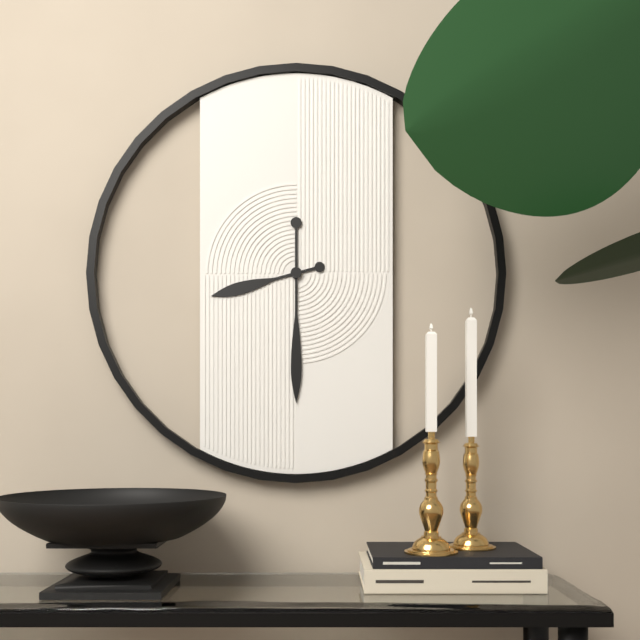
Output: **8:30**
